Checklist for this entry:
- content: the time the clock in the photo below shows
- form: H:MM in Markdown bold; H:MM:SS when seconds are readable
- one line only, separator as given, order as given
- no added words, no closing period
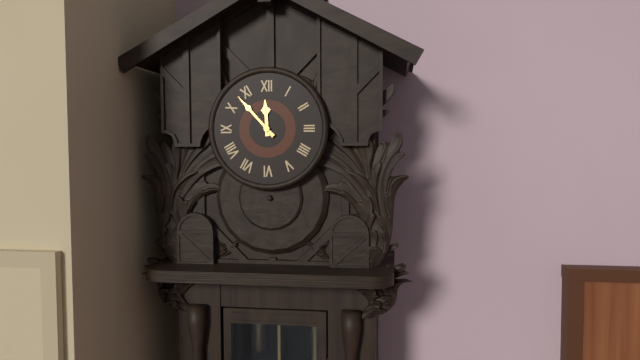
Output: **11:53**
